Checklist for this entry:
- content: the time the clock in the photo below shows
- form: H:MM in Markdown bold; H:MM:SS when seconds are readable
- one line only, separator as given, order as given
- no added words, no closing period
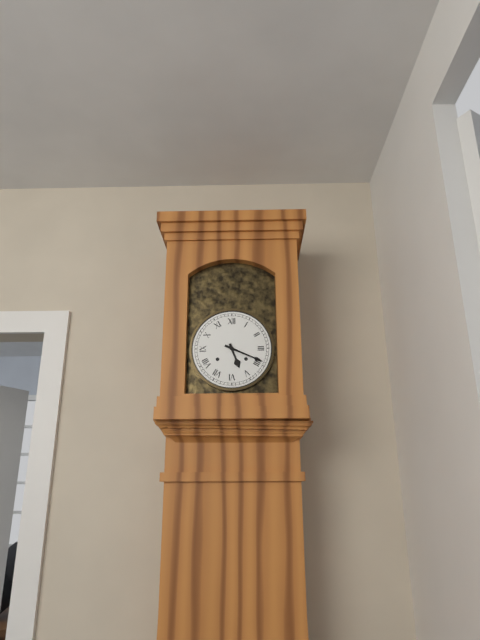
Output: **5:19**
